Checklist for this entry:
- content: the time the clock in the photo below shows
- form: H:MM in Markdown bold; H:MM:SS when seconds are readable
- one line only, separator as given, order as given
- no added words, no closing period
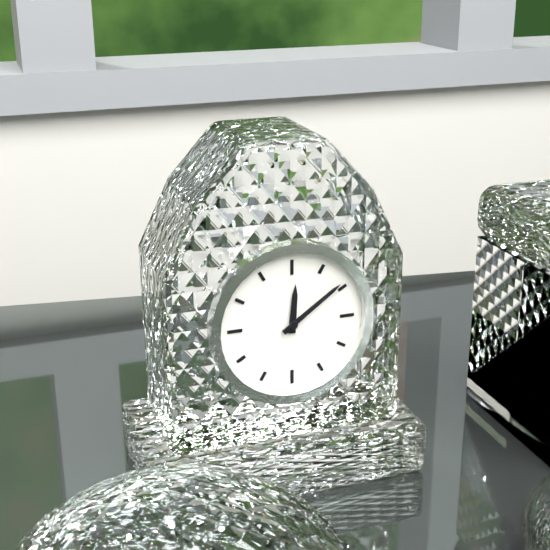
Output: **12:09**
